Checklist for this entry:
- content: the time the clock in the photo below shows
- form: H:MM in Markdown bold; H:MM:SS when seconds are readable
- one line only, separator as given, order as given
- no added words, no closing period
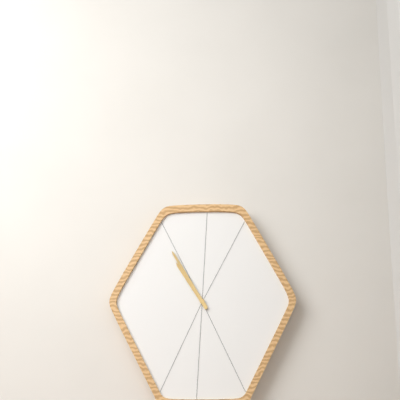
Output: **10:55**
